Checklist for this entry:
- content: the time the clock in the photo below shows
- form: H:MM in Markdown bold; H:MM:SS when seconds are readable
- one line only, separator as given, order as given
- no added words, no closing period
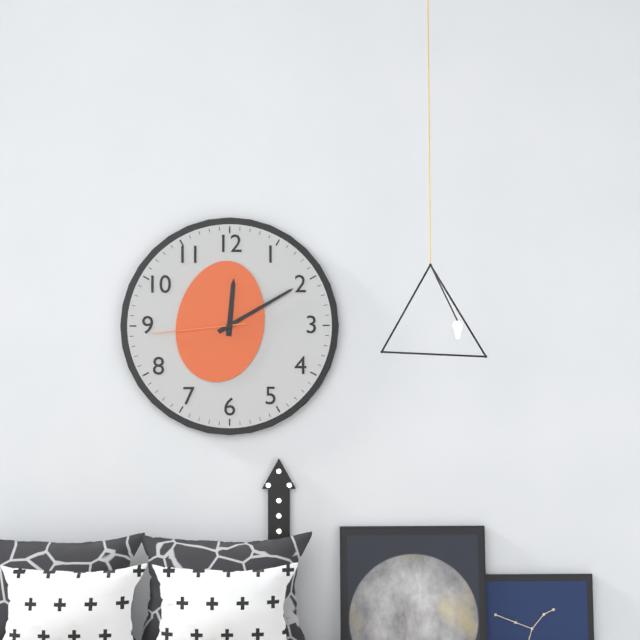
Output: **12:10:44**
